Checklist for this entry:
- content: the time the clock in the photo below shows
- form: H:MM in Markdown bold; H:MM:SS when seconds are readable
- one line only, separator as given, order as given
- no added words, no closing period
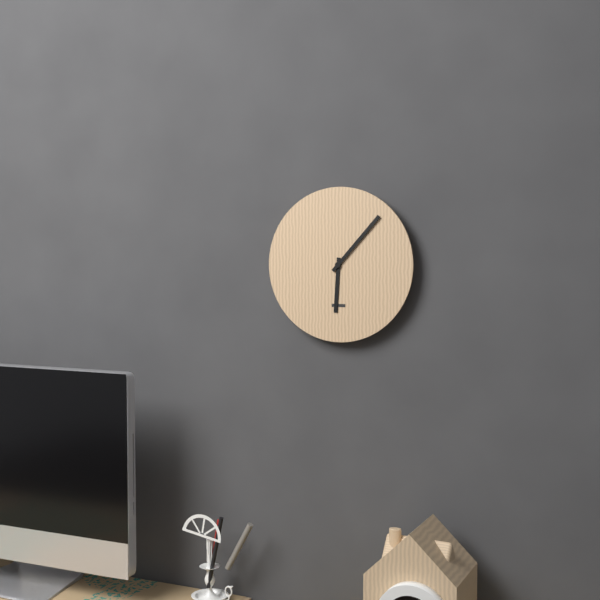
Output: **6:07**
